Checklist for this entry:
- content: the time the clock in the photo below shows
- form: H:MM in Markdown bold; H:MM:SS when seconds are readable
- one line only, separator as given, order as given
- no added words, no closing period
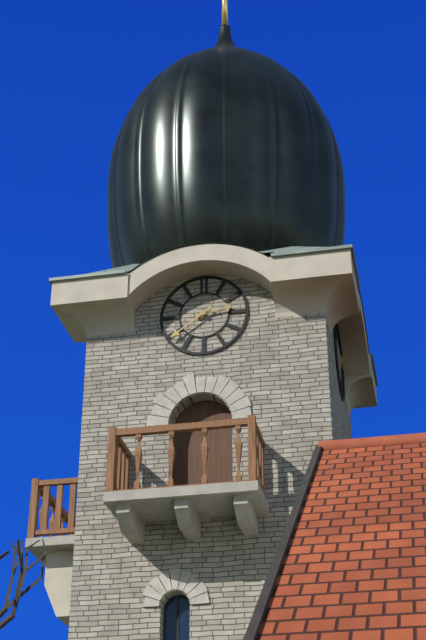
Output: **2:39**
